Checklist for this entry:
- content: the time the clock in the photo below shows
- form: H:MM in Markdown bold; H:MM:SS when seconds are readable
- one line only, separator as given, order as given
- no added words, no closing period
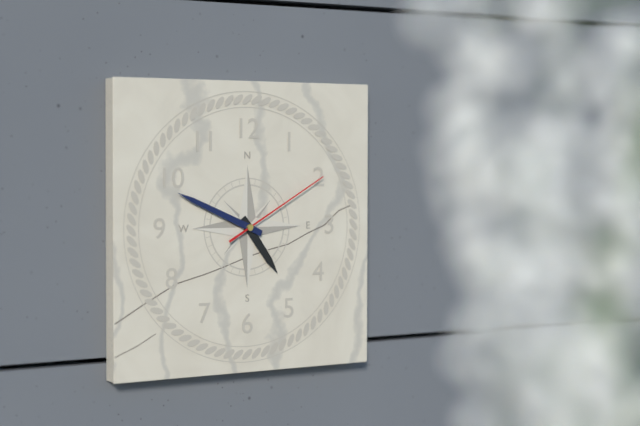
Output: **4:49:10**
